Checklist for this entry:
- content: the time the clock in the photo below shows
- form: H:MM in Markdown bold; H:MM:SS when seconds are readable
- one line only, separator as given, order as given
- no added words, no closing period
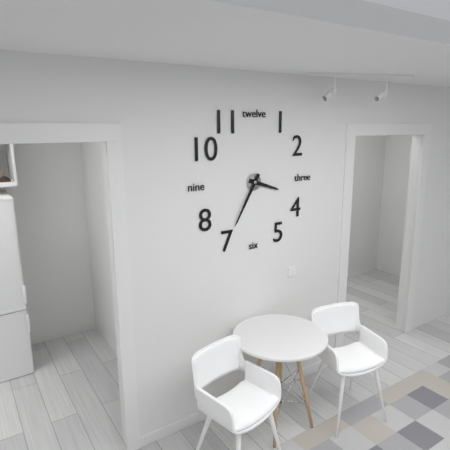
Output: **3:35**
